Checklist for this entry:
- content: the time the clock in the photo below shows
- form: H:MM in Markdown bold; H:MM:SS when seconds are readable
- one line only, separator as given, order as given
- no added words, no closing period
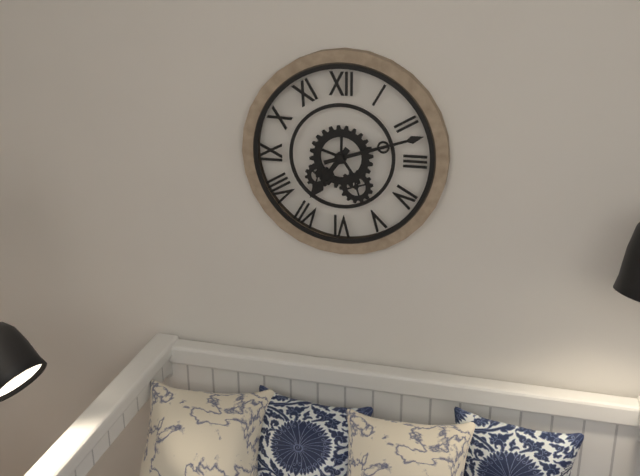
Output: **7:12**
